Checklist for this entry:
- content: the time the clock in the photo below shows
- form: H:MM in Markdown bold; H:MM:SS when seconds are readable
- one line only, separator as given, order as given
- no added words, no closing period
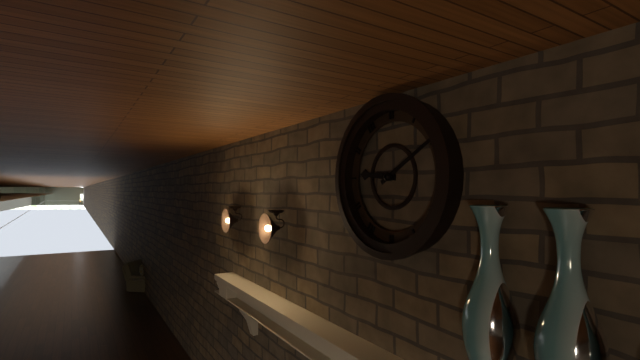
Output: **9:10**
